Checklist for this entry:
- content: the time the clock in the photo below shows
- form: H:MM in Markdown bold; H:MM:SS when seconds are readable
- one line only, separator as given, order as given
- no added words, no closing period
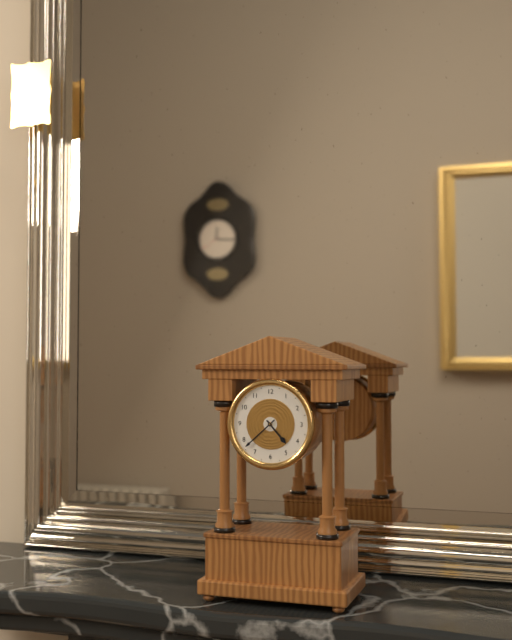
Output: **4:38**
